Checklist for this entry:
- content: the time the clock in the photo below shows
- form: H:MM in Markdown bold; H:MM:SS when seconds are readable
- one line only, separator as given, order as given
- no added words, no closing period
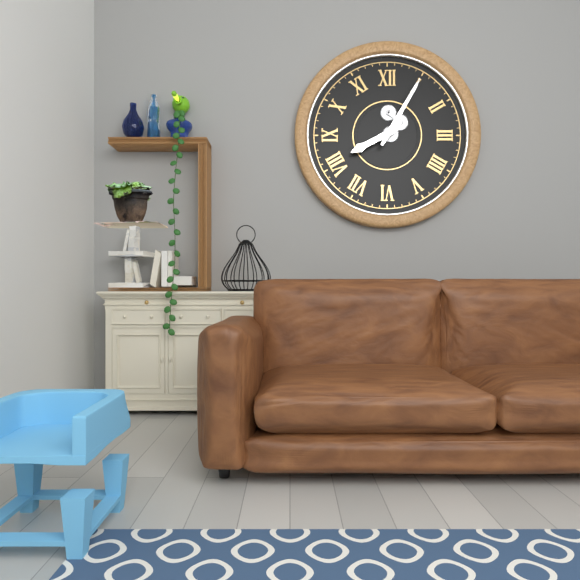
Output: **8:05**
